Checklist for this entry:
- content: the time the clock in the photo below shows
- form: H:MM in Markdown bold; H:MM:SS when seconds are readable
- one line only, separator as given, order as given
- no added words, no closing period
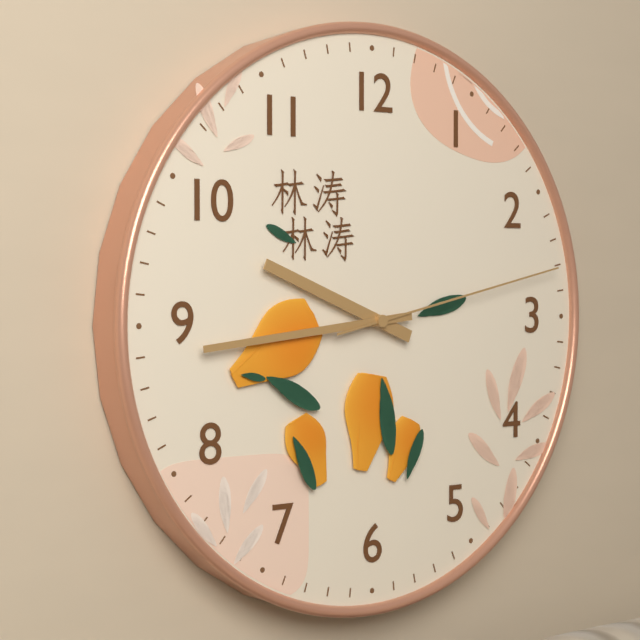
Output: **9:44:13**
